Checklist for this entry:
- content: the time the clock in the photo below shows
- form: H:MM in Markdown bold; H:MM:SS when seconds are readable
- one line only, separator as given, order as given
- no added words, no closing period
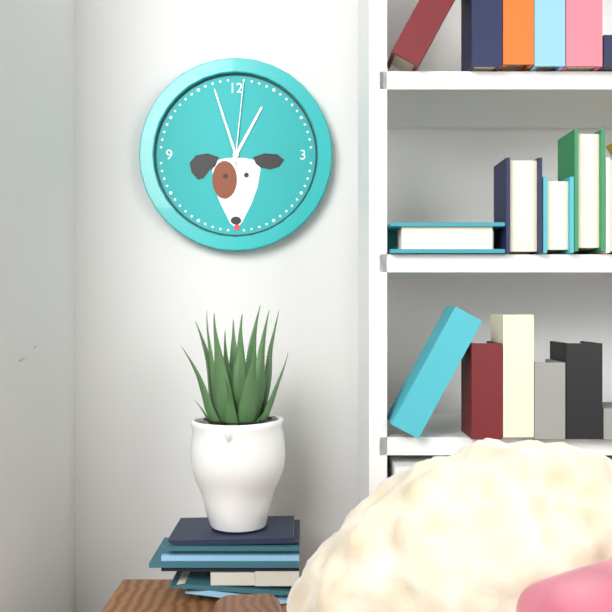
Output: **12:57:01**
